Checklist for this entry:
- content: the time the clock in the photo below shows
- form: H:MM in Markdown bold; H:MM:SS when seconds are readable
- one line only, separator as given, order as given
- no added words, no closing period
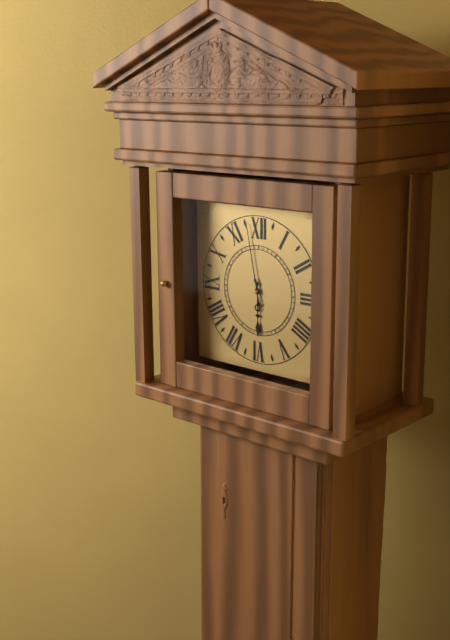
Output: **5:58**
